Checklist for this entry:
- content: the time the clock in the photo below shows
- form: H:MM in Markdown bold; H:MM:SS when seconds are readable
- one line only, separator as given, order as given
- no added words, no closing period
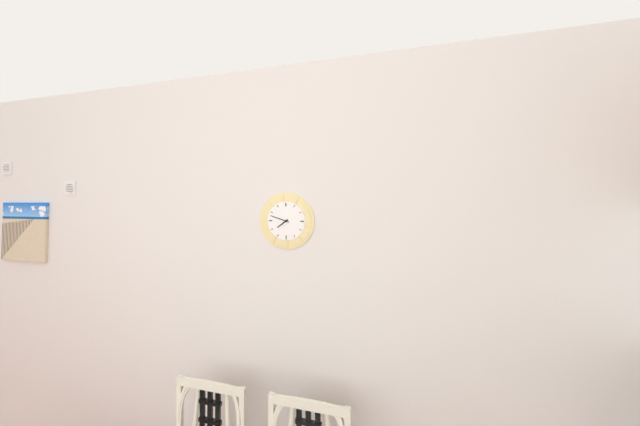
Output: **7:48**
